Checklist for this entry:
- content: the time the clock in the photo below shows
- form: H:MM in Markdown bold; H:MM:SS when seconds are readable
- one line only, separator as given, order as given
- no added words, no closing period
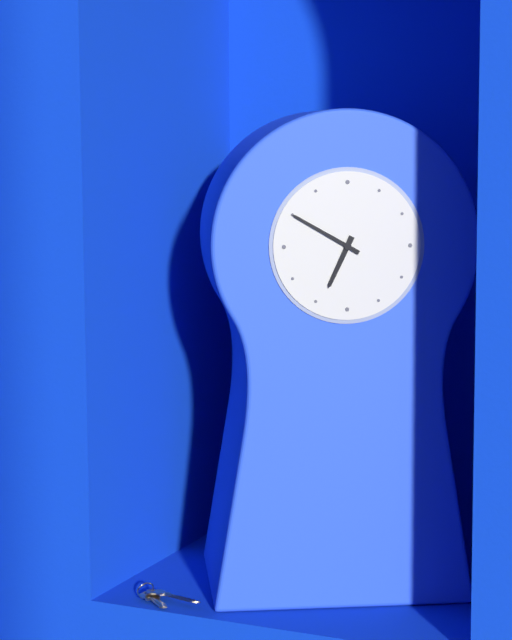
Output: **6:50**
